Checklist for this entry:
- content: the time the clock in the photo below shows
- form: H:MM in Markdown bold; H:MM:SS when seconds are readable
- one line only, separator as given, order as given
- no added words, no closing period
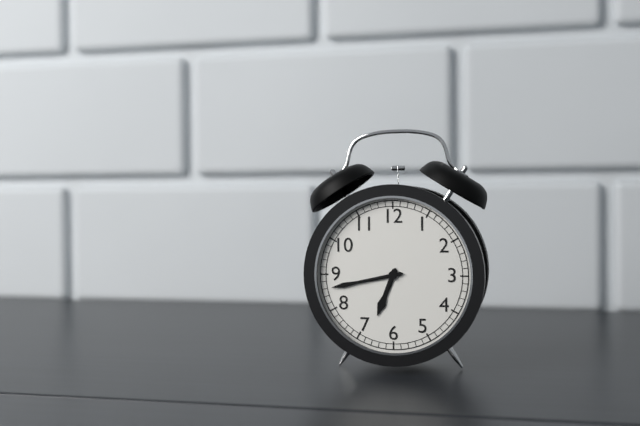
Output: **6:43**
